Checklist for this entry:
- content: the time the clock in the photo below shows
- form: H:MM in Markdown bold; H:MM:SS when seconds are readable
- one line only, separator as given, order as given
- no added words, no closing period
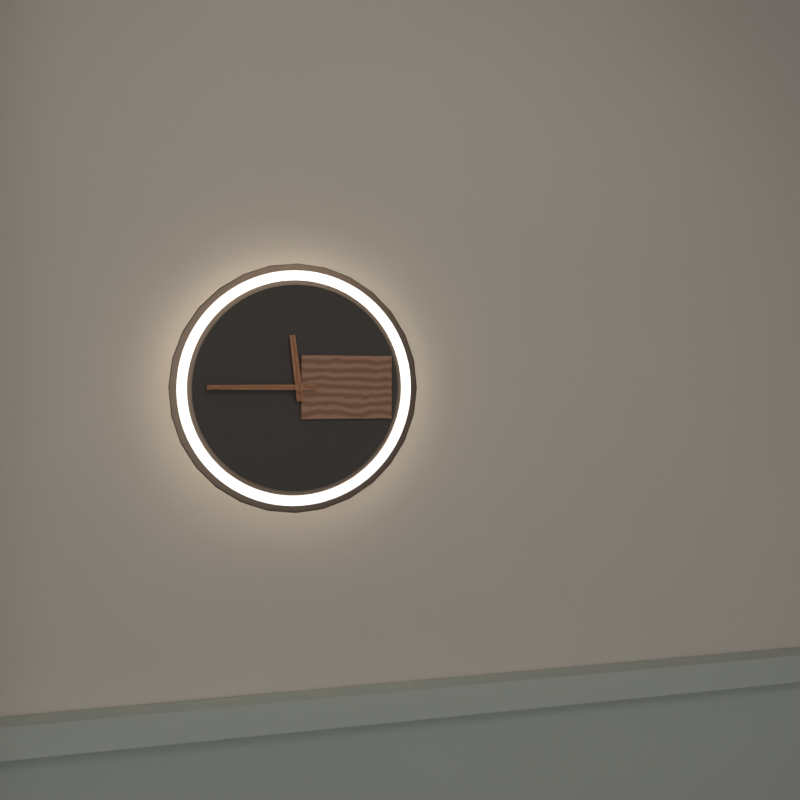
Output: **11:45**
